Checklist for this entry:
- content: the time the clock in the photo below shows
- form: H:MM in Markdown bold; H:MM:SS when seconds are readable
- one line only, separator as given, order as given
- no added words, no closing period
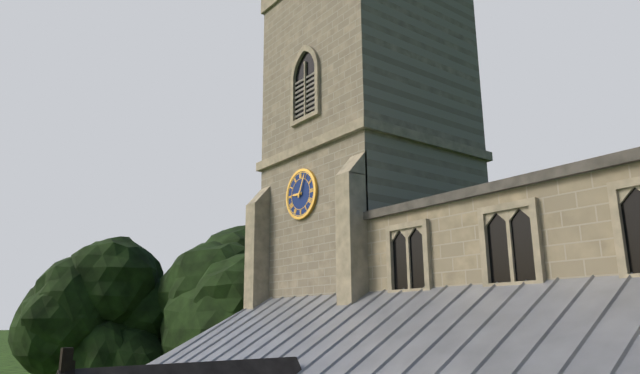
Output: **9:04**
